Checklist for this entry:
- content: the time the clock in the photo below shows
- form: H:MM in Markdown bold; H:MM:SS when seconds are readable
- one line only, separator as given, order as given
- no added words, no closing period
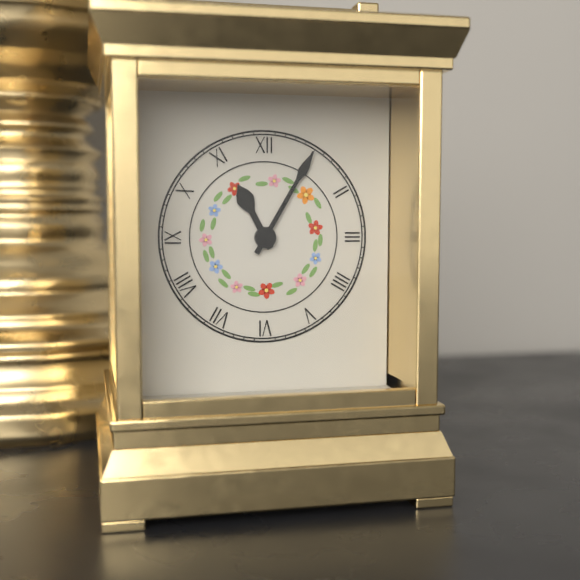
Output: **11:05**
